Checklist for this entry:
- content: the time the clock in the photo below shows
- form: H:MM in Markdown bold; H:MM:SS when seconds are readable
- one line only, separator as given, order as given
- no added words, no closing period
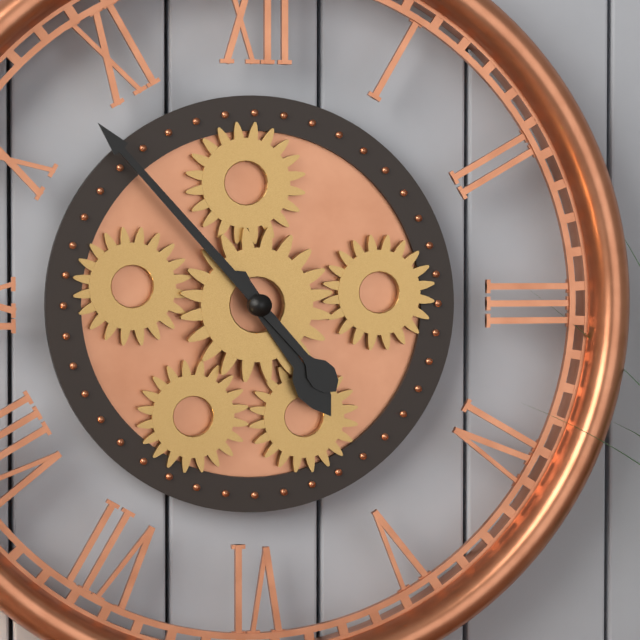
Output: **4:53**
